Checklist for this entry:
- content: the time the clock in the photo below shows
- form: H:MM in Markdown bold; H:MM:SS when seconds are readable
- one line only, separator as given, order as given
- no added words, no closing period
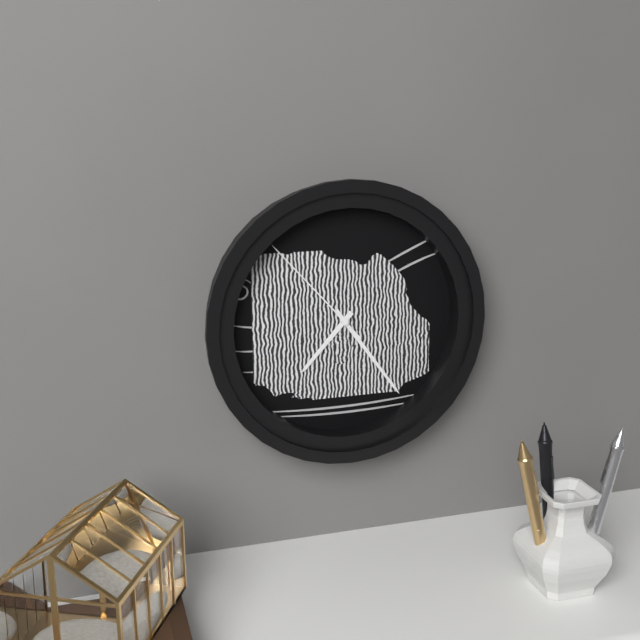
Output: **7:24:53**
